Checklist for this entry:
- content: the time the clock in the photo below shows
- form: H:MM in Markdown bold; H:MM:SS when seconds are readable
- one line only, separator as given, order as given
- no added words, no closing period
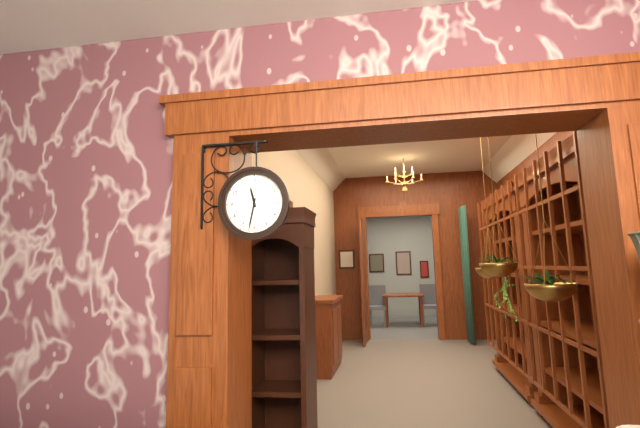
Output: **11:32**
